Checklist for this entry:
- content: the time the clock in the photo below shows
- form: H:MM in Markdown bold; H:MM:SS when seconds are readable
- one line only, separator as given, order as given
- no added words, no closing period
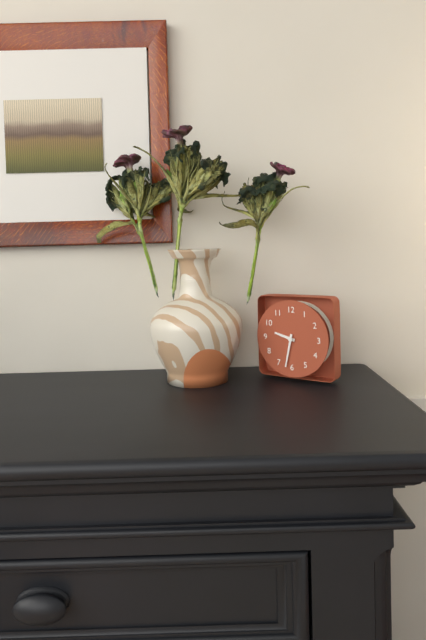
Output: **9:32**
